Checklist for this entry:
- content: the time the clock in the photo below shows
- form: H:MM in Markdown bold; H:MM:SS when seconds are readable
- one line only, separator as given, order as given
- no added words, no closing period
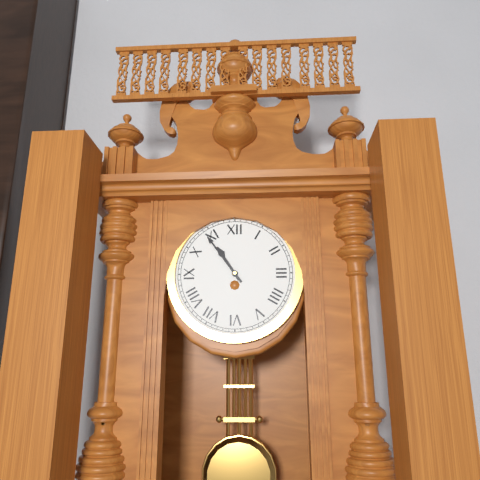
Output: **10:54**
